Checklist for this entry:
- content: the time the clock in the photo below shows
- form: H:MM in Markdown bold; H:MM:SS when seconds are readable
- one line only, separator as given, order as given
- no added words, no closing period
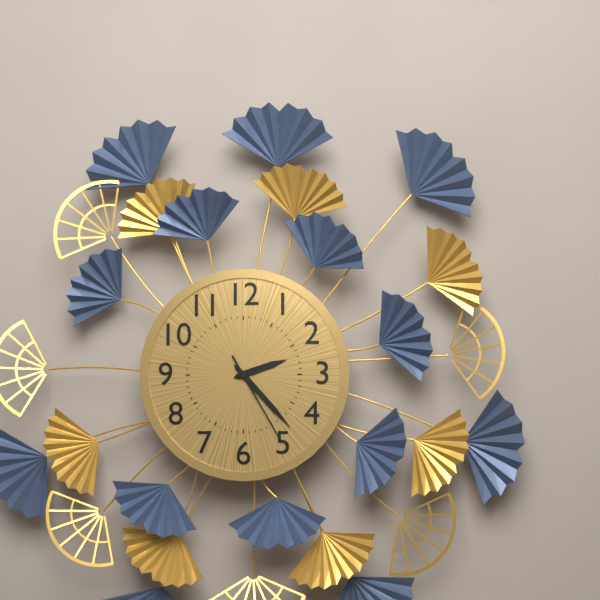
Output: **2:23:25**
